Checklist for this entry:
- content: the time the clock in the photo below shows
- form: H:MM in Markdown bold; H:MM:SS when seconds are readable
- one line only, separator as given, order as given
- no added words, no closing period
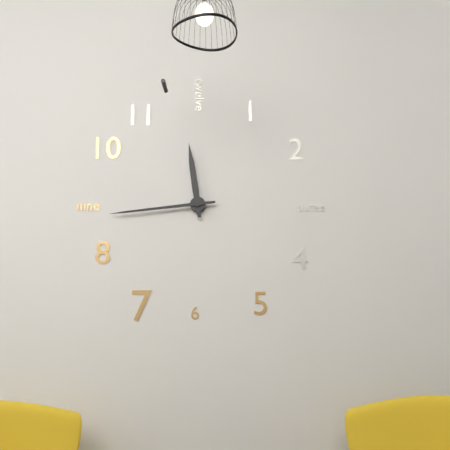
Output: **11:44**
